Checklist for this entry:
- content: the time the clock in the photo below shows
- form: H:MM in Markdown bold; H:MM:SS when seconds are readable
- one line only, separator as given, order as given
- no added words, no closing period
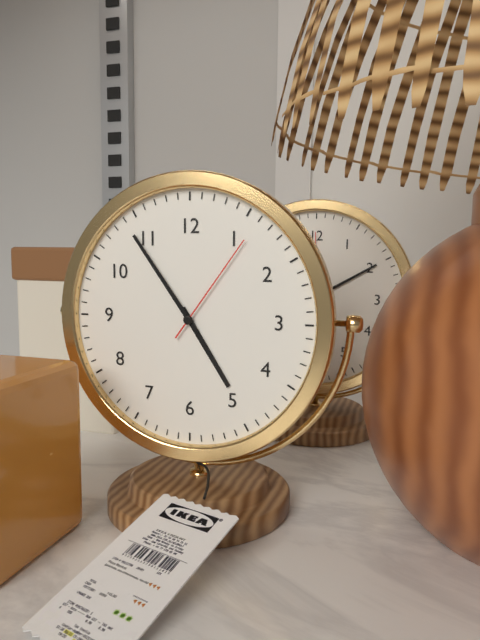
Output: **4:54:06**
